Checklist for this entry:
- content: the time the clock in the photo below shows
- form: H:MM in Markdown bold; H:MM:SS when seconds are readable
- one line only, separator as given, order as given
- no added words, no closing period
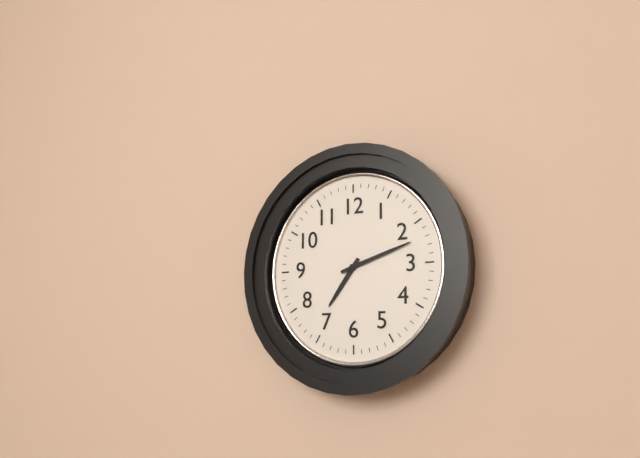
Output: **7:12**
